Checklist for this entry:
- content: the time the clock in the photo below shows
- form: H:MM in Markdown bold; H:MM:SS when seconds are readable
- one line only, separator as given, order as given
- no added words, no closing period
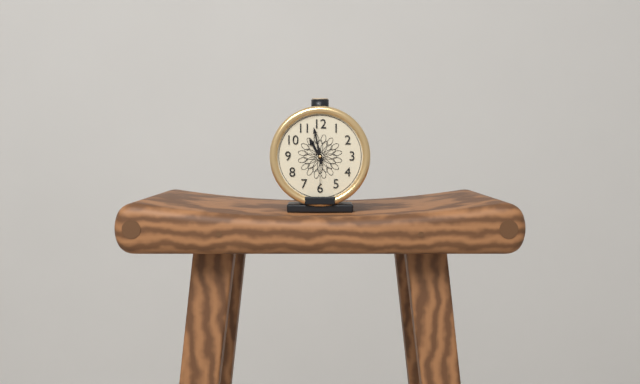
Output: **10:58**
